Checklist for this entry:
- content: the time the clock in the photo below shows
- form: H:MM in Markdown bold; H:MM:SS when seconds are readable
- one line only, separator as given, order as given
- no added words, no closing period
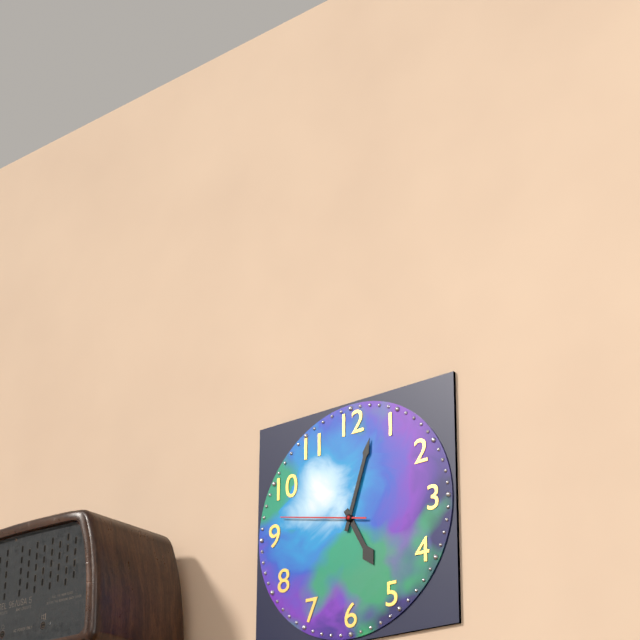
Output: **5:03:47**
